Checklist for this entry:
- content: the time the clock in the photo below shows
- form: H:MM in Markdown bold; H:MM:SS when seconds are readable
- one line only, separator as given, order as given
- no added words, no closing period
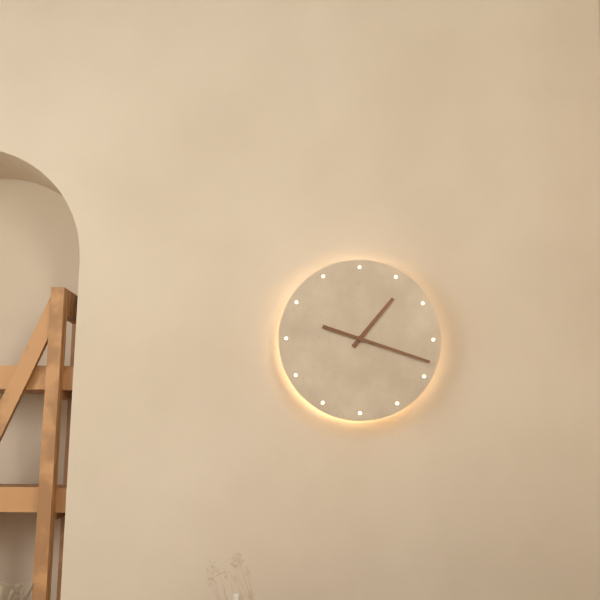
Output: **1:18**
